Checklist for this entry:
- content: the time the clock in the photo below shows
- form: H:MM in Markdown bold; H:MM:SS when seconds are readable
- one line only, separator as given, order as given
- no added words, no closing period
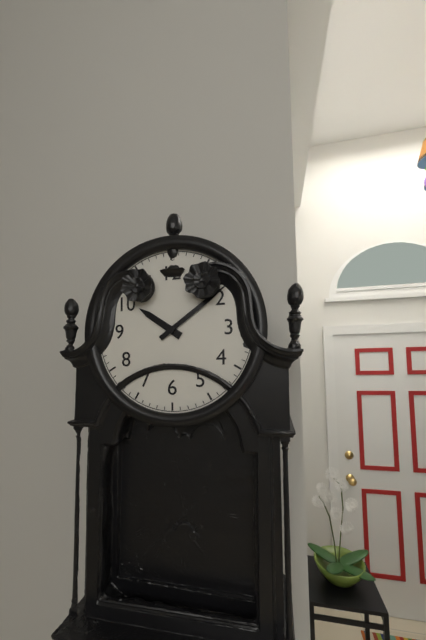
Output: **10:09**
